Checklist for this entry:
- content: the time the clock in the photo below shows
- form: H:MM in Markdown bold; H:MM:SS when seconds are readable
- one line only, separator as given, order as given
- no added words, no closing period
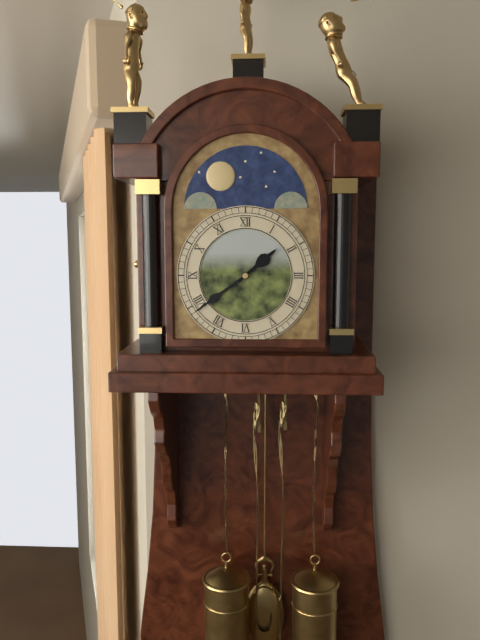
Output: **1:39**
